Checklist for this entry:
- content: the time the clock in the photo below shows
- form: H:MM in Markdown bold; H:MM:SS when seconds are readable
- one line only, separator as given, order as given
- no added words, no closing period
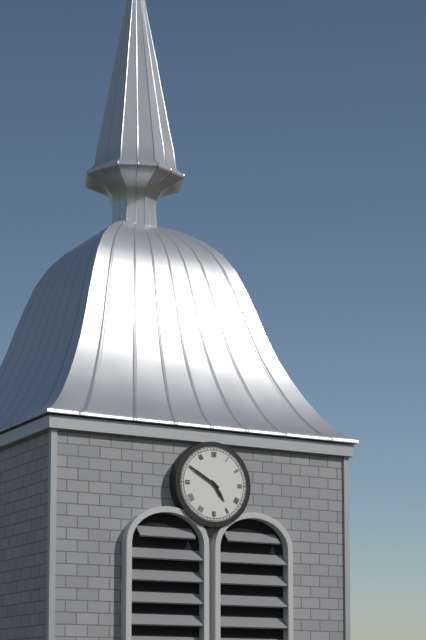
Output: **4:50**
